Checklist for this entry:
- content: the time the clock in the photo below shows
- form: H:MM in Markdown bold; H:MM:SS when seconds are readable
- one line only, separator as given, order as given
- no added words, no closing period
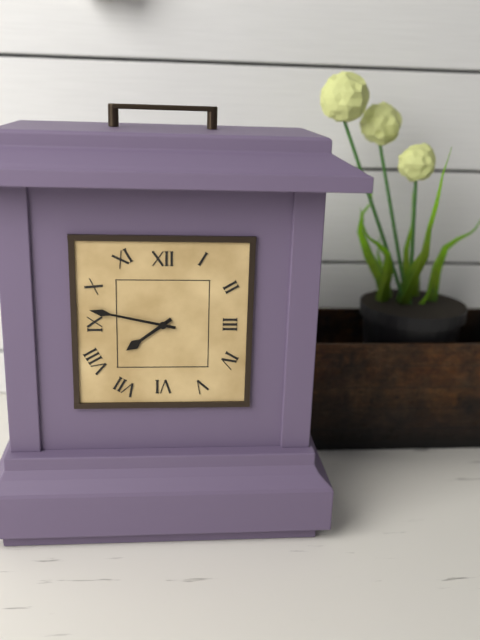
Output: **7:47**
